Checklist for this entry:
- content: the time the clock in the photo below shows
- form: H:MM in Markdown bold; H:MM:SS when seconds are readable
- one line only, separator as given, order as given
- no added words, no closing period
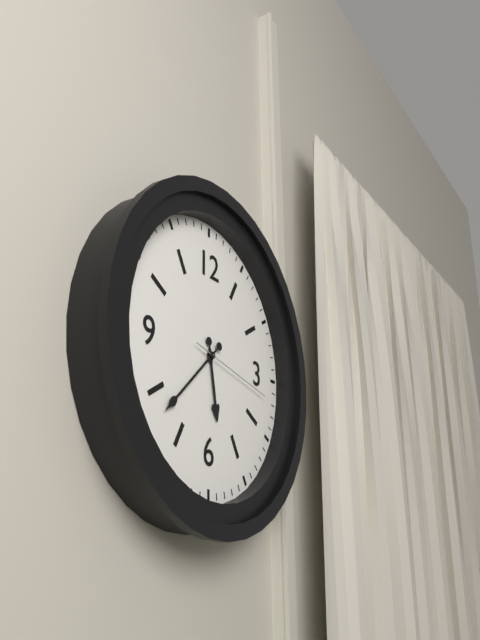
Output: **5:38:17**
